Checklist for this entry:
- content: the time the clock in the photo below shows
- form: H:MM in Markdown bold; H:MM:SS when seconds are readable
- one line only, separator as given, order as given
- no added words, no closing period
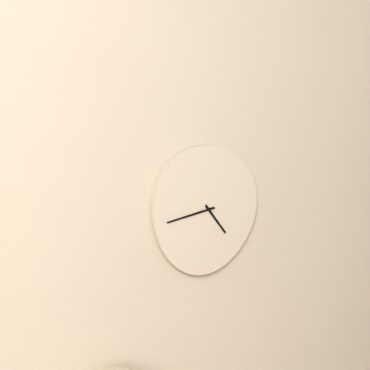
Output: **4:43**
